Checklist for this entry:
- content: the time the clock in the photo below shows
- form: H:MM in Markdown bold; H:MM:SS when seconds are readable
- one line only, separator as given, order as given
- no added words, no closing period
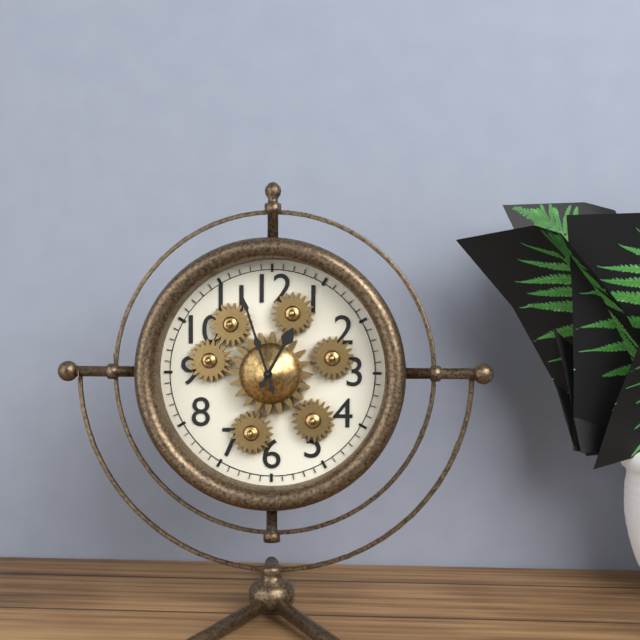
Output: **12:57**
